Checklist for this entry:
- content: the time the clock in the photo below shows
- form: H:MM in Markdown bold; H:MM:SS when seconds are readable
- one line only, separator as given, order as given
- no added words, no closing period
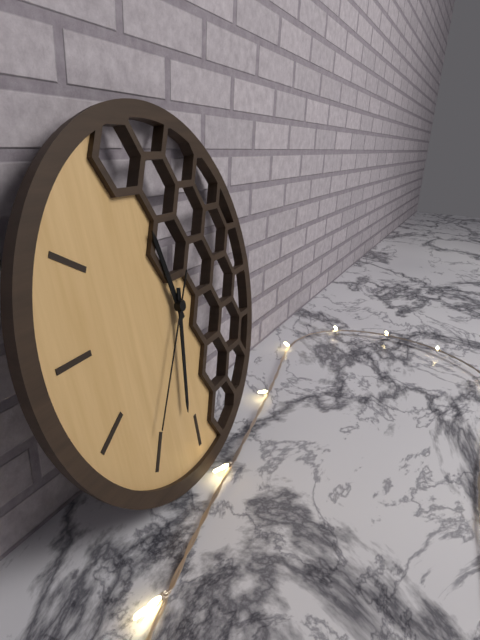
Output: **11:32:36**
